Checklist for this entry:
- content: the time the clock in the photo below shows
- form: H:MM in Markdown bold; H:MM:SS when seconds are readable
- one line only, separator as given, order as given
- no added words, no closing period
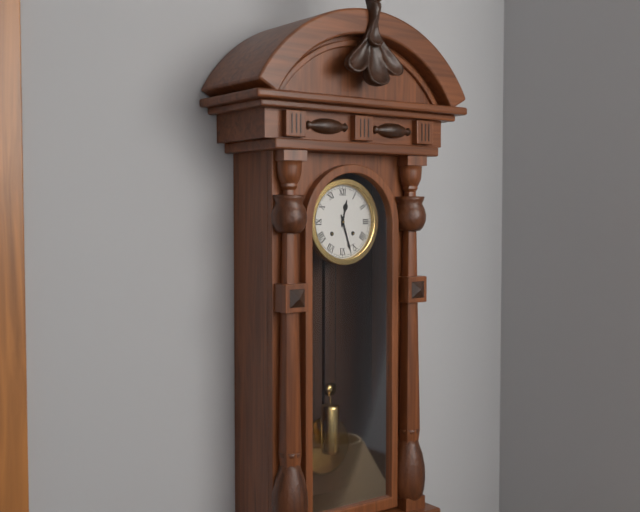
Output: **12:27**
